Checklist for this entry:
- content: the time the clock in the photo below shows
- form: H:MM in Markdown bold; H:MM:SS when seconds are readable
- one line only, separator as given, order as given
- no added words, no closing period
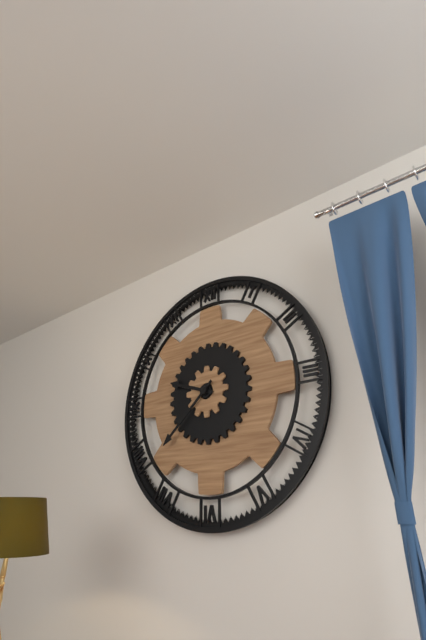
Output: **9:38**
